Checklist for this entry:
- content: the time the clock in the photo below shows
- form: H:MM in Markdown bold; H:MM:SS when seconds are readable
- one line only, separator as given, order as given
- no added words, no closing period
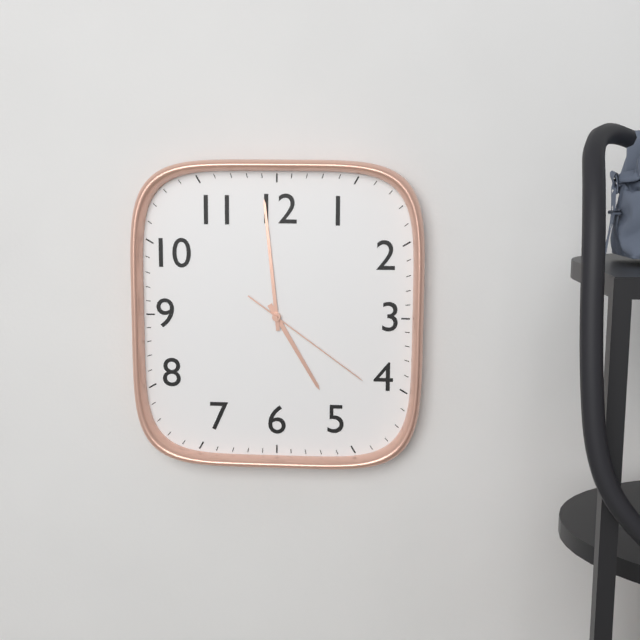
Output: **4:59:21**
